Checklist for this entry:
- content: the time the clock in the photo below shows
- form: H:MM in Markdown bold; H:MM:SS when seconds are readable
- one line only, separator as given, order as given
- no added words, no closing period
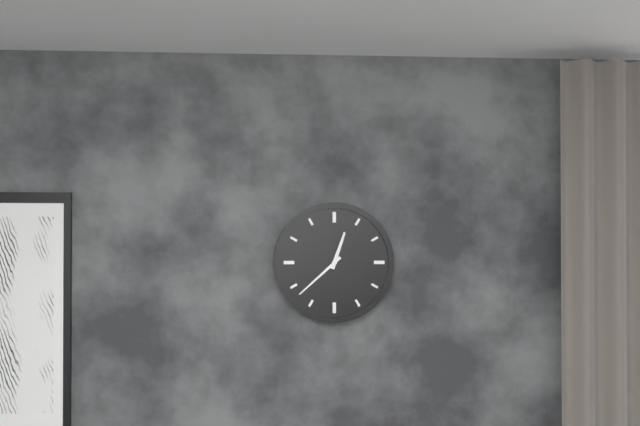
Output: **12:38**
